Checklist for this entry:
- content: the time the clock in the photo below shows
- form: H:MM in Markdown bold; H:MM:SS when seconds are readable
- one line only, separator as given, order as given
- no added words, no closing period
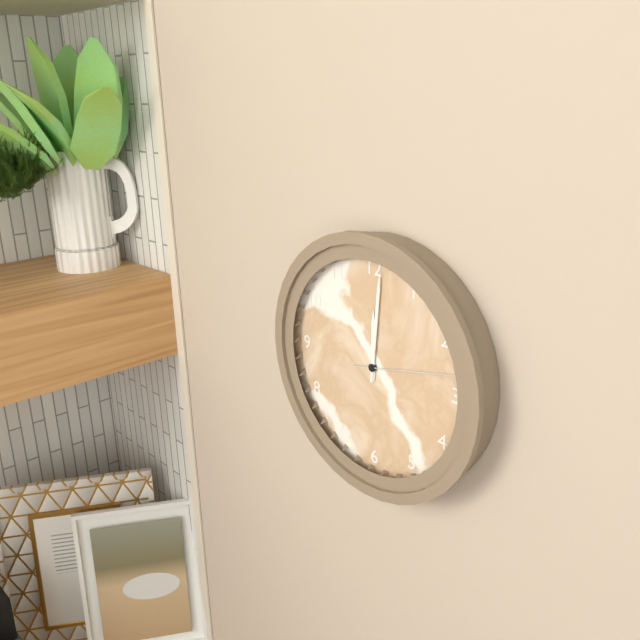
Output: **12:01:13**
